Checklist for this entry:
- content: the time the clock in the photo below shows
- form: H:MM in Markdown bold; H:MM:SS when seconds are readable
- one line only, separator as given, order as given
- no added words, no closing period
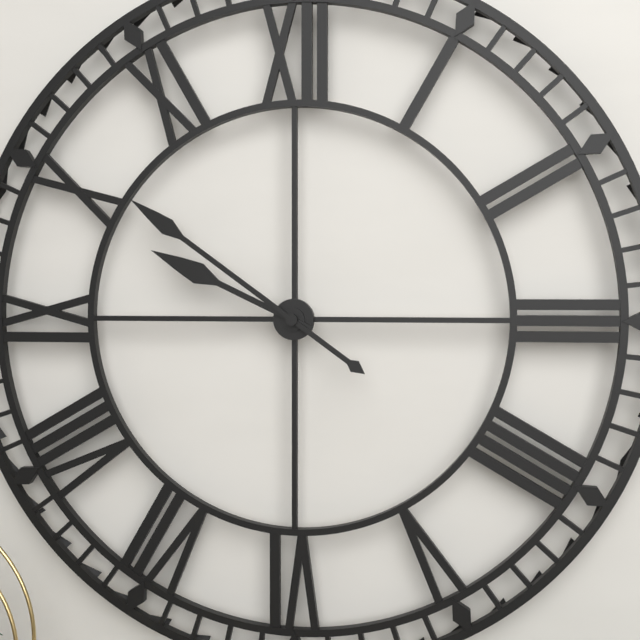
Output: **9:51**
